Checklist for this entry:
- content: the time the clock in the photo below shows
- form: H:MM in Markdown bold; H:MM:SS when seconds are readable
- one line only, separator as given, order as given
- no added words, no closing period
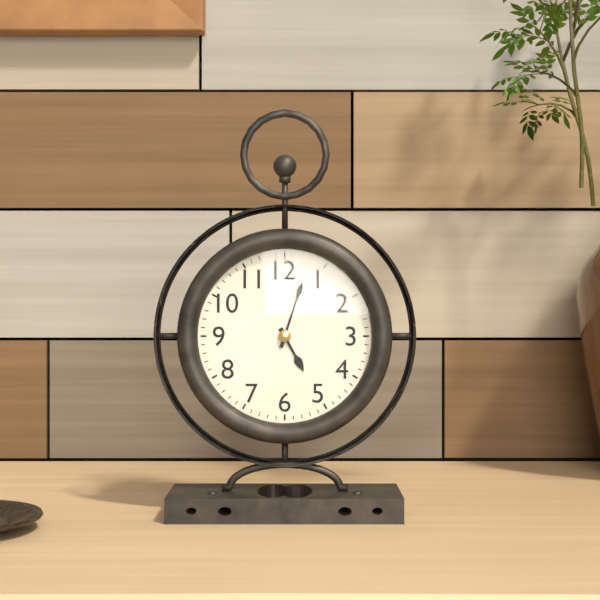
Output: **5:03**
